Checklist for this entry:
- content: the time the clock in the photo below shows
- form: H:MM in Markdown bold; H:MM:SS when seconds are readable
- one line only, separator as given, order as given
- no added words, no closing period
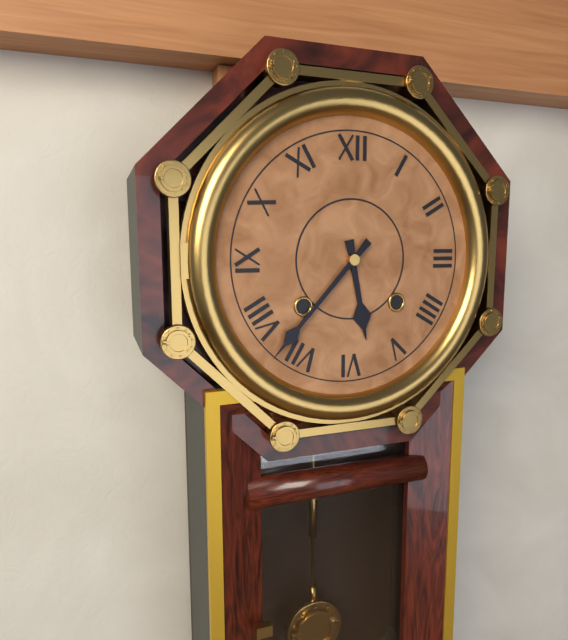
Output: **5:37**
